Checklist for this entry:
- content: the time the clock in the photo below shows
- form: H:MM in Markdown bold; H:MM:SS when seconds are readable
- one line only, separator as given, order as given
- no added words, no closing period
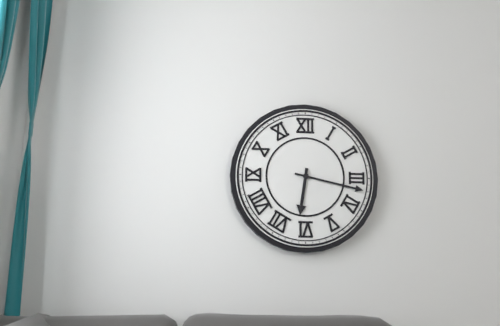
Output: **6:17**
